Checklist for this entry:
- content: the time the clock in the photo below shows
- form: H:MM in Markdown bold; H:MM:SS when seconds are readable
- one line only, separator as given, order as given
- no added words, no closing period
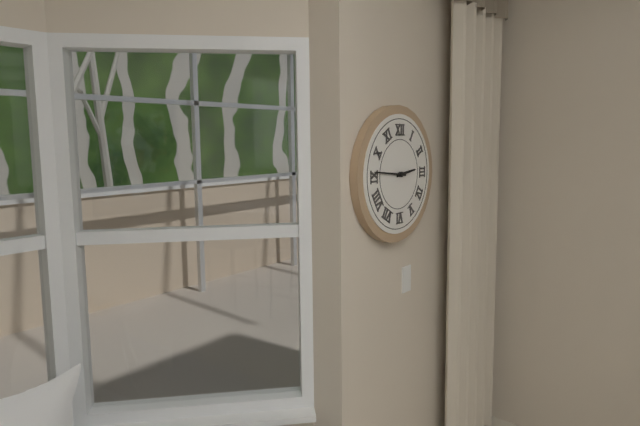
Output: **2:46**
